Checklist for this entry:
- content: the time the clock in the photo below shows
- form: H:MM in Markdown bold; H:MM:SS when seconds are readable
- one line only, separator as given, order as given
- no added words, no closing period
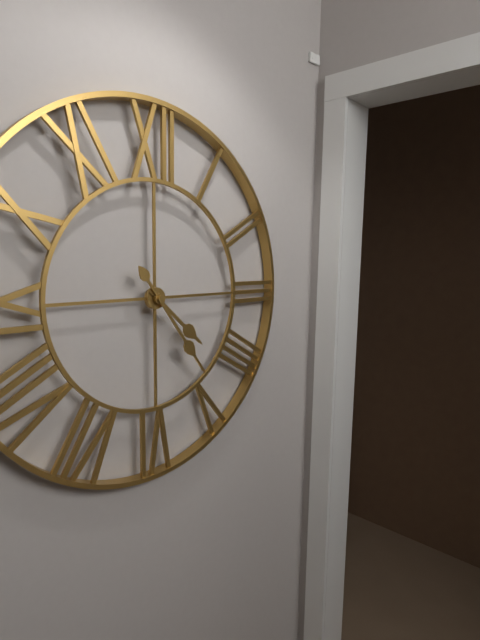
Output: **4:24**
